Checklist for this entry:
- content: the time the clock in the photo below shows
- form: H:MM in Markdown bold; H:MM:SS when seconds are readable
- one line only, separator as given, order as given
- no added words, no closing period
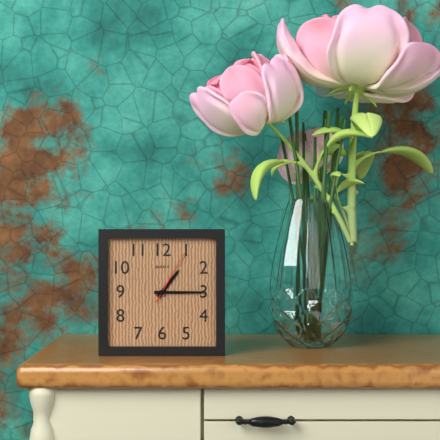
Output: **1:15:05**
